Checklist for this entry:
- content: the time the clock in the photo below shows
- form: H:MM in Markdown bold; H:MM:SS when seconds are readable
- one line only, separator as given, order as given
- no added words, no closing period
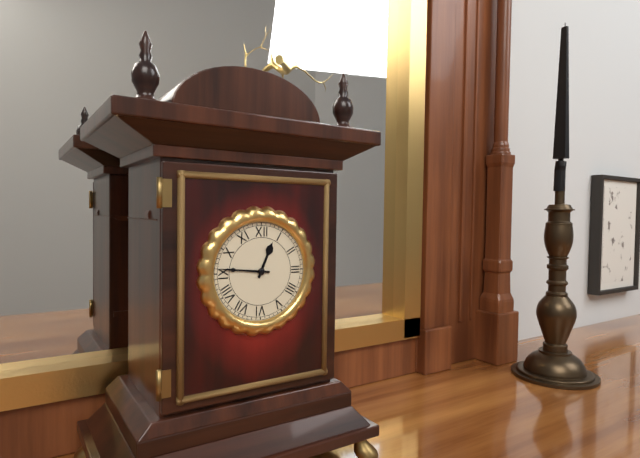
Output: **12:46**
